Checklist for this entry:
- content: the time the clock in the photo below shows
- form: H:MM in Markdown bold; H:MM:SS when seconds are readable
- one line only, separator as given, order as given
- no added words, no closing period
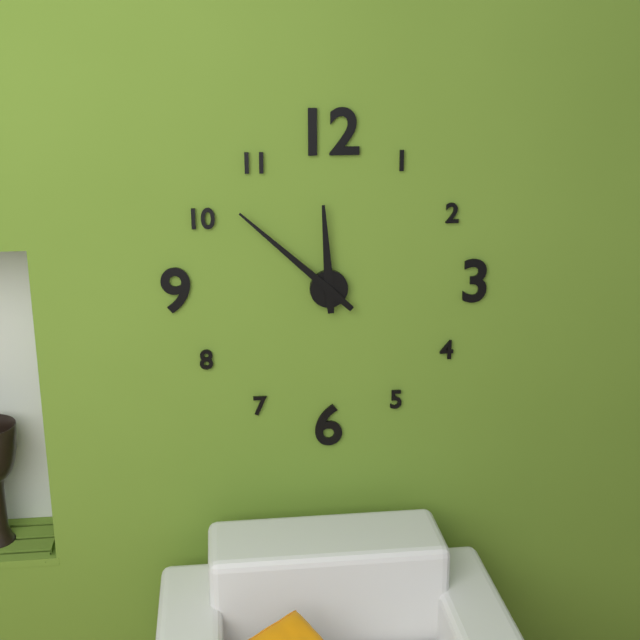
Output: **11:52**
